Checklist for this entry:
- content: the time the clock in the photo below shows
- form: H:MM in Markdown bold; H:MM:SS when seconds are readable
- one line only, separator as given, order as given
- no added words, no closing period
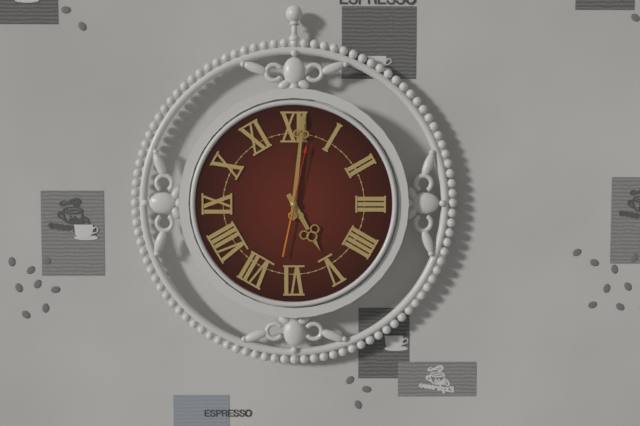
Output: **5:01:02**
